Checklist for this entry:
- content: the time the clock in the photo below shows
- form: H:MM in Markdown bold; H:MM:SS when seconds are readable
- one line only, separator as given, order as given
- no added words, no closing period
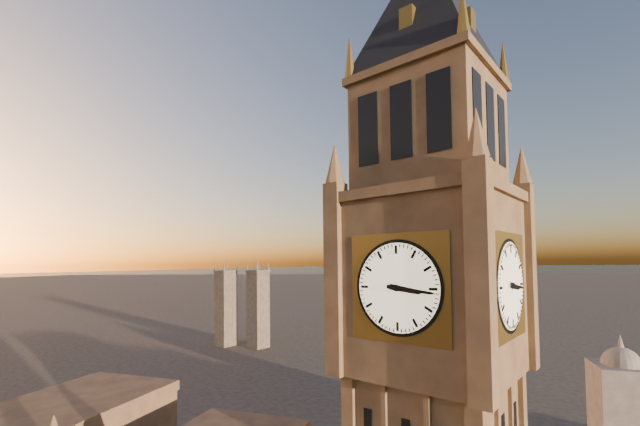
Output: **3:16**
